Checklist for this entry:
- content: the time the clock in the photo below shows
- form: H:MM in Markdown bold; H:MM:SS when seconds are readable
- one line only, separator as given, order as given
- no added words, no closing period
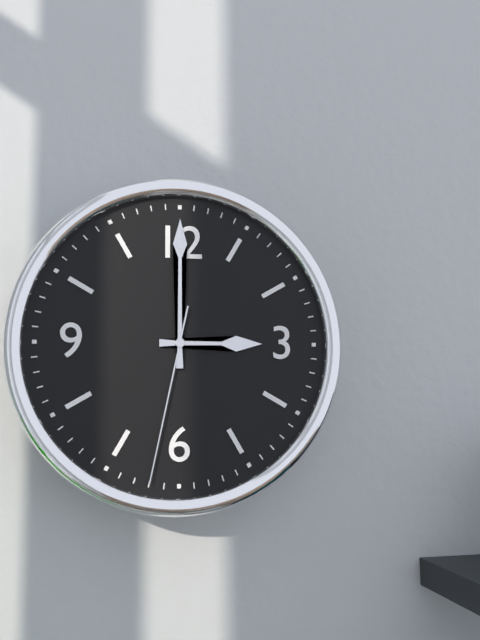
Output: **3:00:32**
